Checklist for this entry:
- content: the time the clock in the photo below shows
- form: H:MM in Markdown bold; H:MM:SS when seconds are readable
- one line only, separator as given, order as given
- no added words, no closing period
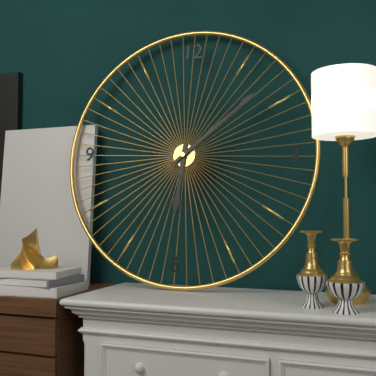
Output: **6:08**
